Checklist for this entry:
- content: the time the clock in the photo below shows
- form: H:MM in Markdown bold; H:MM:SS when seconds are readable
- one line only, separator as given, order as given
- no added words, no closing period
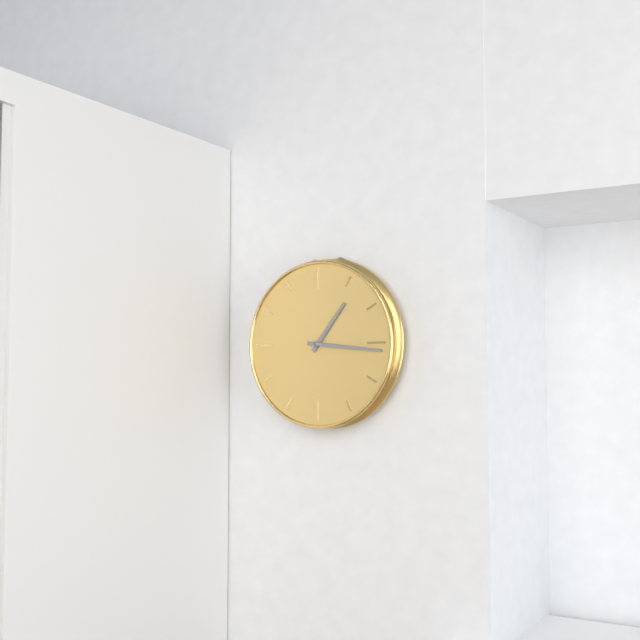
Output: **1:16**
